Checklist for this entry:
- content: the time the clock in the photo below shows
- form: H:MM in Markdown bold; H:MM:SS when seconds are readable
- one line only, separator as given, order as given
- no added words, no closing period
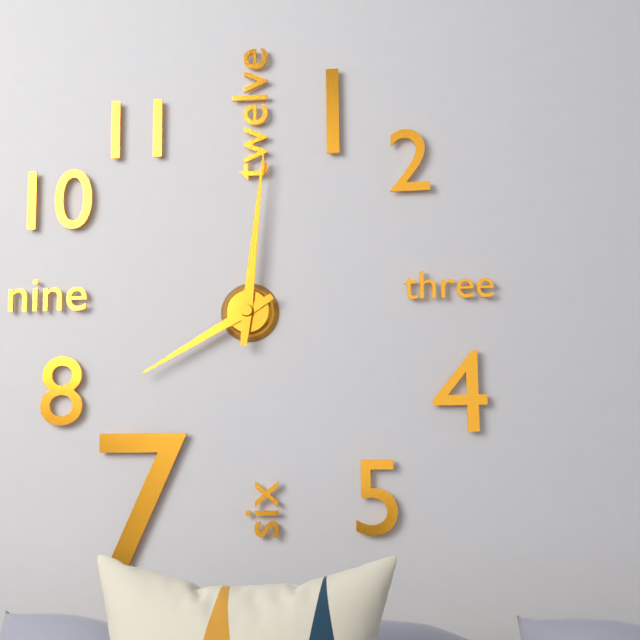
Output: **8:01**
